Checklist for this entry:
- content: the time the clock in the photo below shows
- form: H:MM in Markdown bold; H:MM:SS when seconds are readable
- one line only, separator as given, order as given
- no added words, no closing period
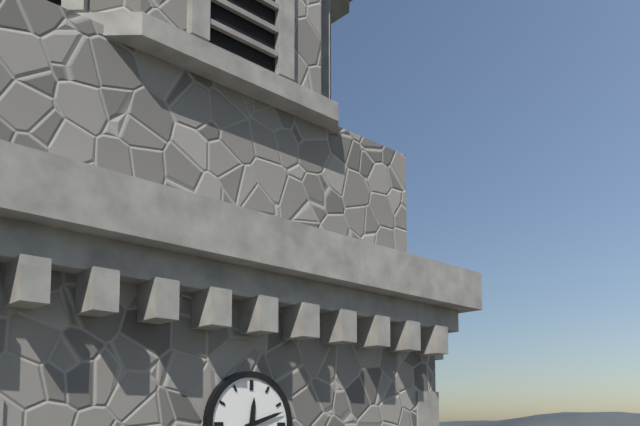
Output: **12:12**
